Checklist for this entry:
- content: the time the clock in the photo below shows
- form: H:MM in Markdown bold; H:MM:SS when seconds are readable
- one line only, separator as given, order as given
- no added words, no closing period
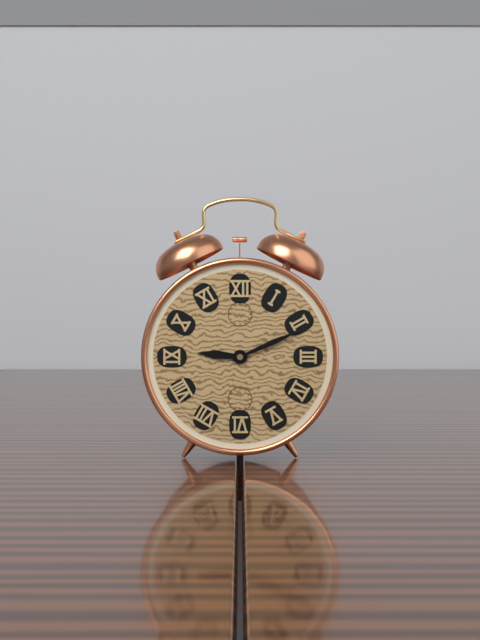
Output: **9:11**
